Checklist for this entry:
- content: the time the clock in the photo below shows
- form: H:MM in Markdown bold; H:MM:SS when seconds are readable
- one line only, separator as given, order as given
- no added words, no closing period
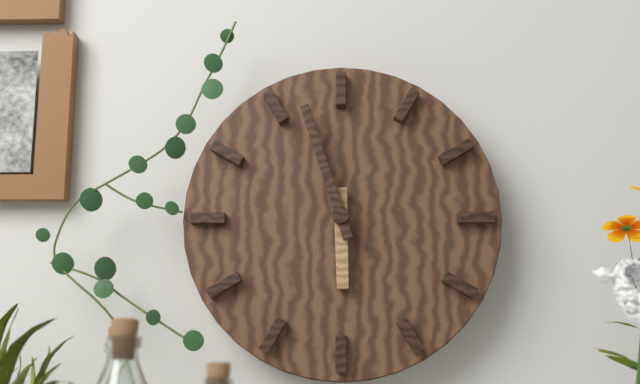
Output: **5:57**
